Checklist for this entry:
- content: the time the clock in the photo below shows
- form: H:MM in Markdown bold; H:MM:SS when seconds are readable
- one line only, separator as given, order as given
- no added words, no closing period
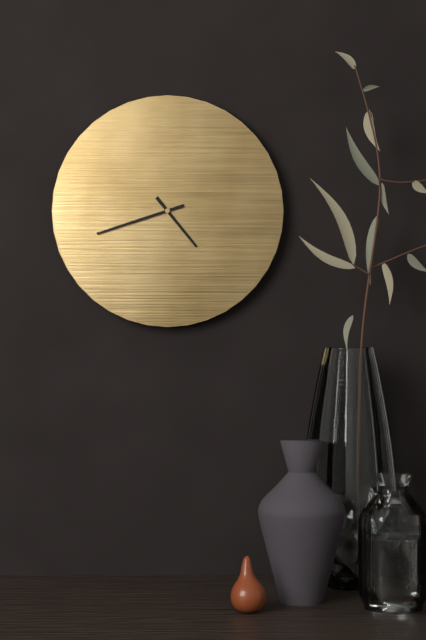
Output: **4:42**
